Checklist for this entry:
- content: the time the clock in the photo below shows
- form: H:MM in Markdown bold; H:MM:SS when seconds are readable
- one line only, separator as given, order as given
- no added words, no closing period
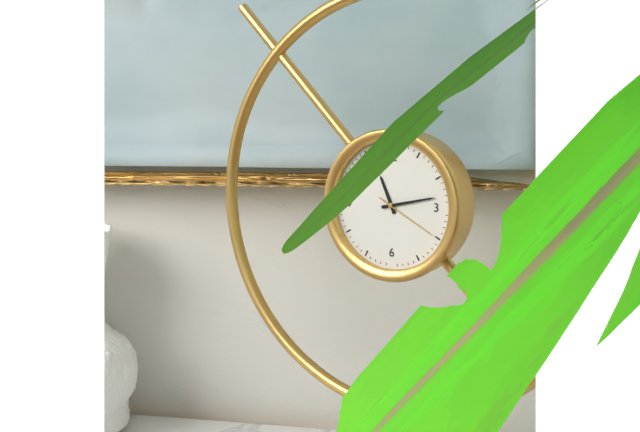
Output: **11:13:20**
